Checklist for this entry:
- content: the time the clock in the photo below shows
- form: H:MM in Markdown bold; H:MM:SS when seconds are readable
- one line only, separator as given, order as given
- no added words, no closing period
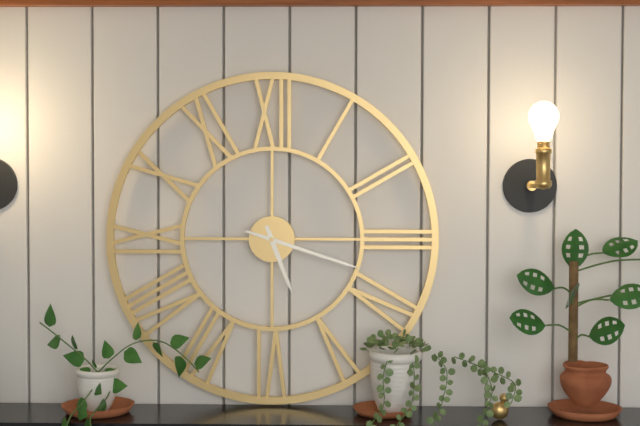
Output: **5:18**
